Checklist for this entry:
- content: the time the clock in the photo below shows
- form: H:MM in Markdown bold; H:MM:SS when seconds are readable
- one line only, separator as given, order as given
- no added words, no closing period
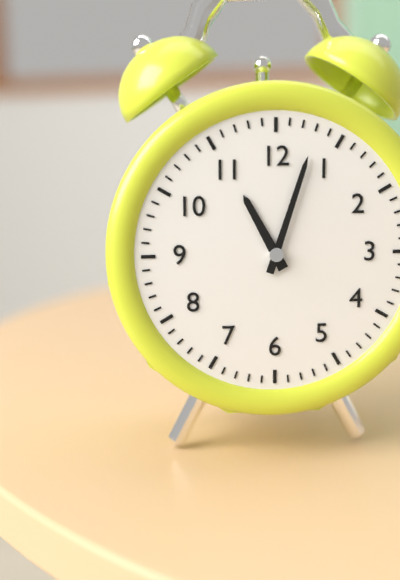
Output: **11:03**
